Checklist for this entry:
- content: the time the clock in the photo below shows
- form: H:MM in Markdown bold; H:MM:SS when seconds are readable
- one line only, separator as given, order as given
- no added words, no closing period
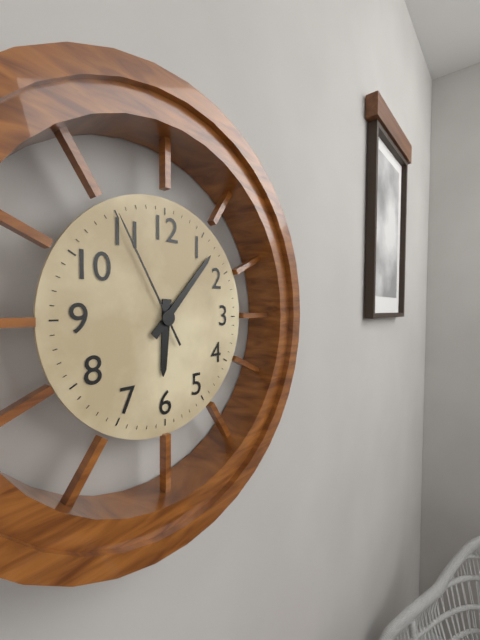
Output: **6:07:55**
